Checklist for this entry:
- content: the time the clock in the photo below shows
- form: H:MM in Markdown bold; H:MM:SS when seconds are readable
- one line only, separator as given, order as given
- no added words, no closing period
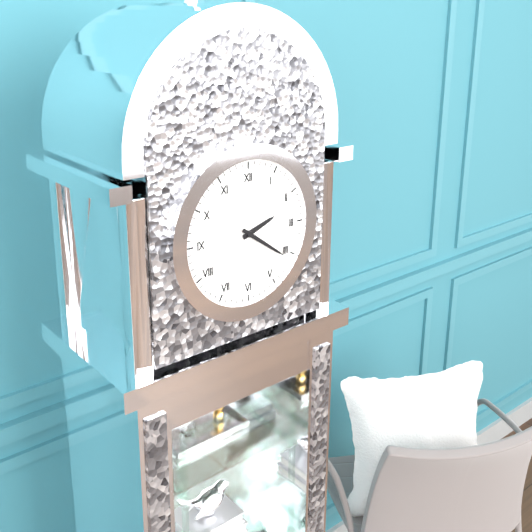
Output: **2:21**
